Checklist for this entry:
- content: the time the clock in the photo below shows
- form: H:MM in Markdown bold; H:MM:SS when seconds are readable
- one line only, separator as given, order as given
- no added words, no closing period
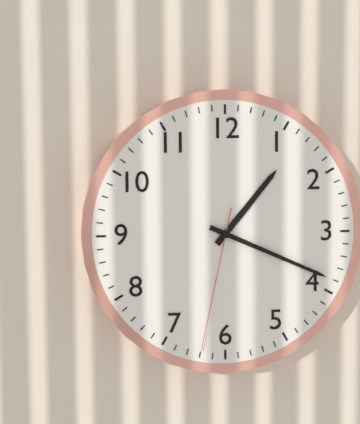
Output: **1:19:32**
